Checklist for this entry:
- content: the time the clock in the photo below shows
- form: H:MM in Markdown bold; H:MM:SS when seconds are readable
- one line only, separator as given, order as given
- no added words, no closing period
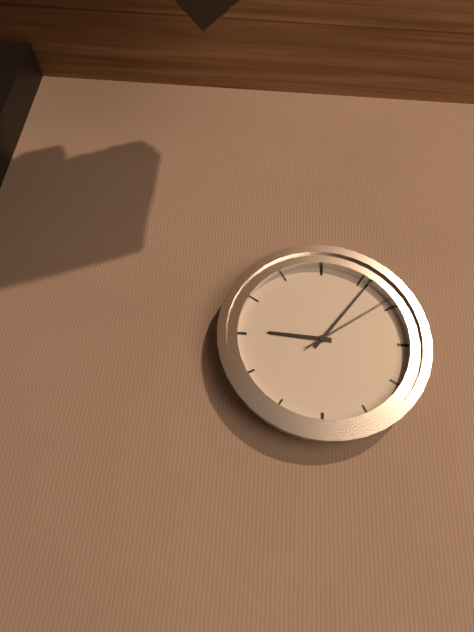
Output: **9:06:09**
